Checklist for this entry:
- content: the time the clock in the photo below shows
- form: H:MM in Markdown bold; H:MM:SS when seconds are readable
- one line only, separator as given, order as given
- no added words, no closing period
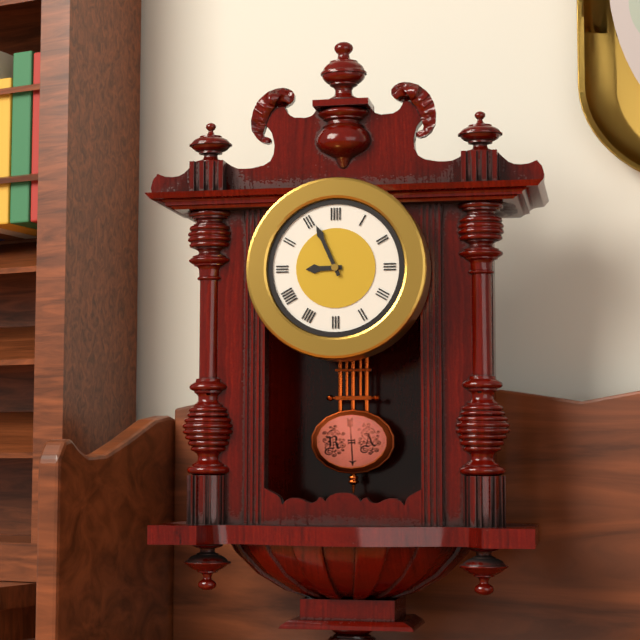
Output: **8:56**
